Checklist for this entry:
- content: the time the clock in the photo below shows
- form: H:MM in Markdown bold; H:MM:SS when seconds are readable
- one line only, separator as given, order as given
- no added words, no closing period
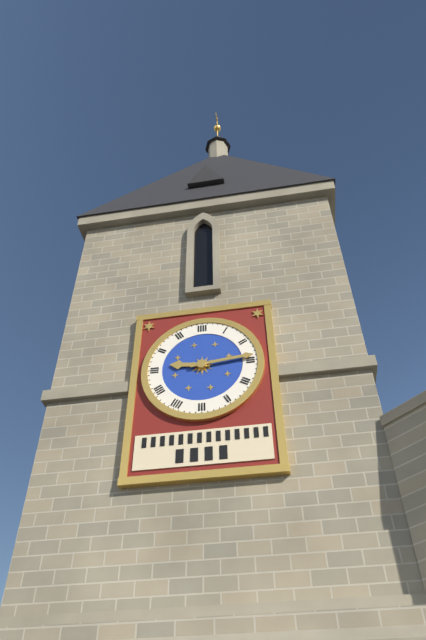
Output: **9:14**
